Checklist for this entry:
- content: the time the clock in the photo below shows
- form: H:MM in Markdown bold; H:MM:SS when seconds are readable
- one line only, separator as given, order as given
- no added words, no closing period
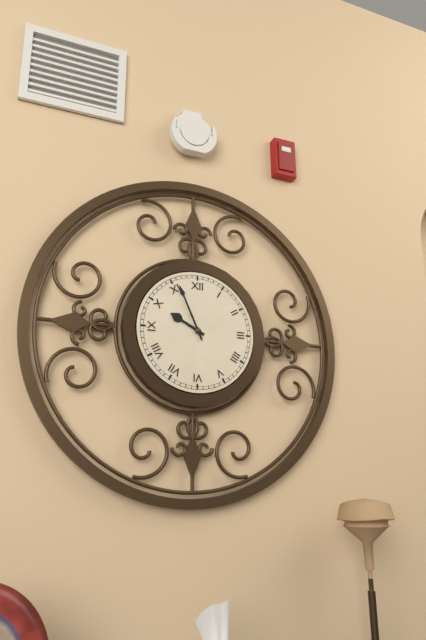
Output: **9:56**
